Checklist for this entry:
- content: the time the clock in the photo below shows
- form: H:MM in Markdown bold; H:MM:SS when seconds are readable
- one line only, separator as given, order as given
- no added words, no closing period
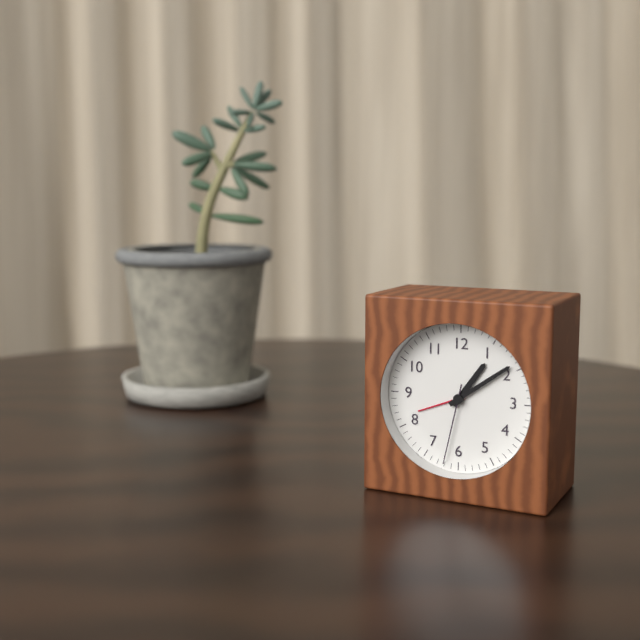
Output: **1:09:32**
